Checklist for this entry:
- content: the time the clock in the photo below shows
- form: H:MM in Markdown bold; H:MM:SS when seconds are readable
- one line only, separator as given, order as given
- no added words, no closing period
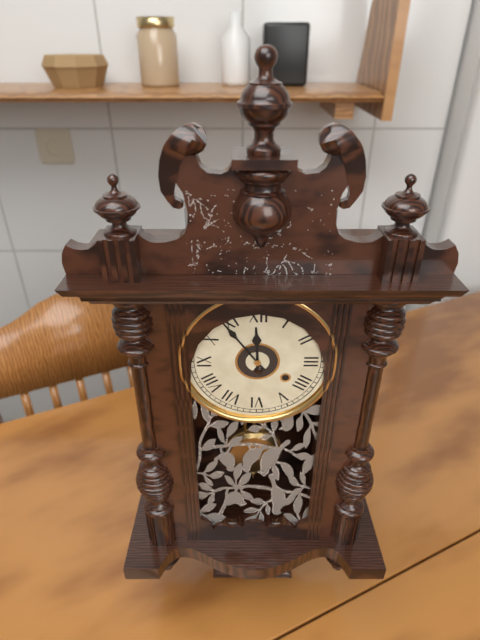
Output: **11:54**
